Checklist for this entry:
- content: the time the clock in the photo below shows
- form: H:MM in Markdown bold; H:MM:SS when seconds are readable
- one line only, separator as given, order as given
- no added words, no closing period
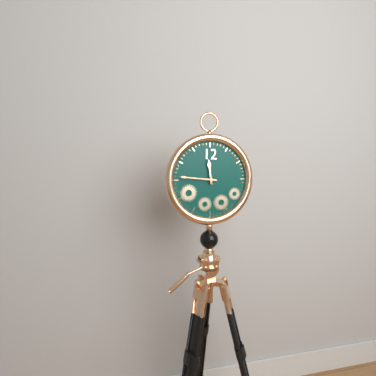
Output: **11:46**
